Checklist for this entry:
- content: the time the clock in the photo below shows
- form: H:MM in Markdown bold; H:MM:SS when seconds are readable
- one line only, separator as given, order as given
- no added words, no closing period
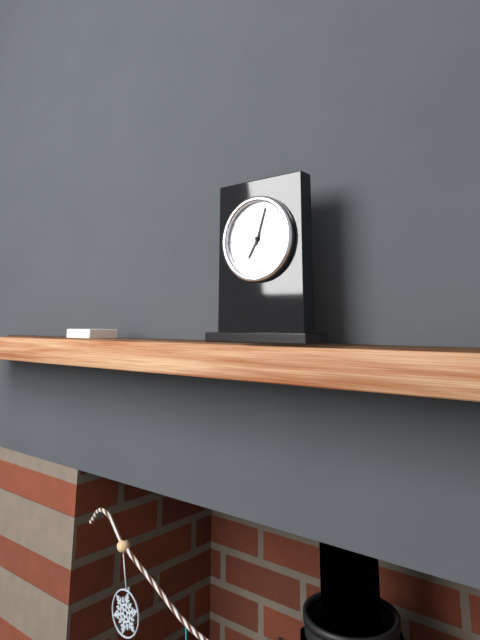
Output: **7:03**
